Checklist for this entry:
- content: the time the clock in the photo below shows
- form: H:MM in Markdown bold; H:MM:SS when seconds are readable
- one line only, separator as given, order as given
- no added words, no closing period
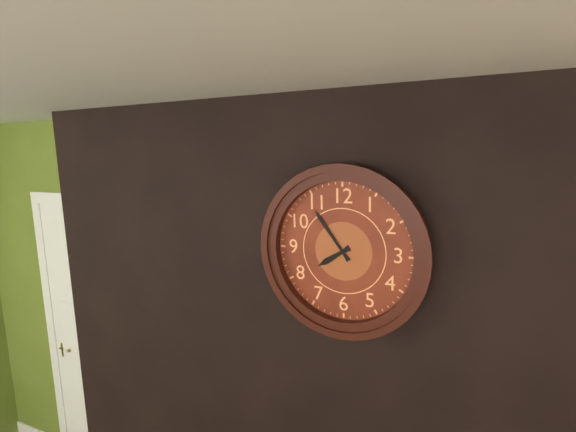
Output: **7:54**
